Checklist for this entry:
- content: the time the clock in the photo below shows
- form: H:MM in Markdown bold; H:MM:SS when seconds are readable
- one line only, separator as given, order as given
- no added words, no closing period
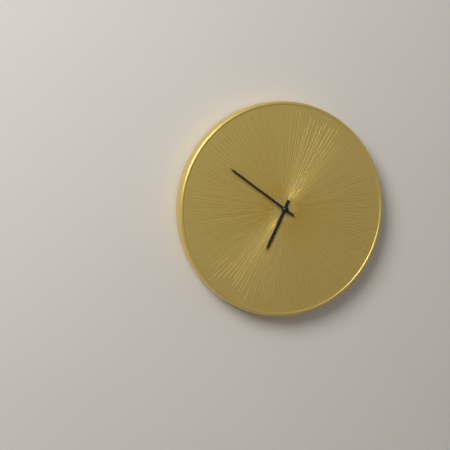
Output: **6:51**
